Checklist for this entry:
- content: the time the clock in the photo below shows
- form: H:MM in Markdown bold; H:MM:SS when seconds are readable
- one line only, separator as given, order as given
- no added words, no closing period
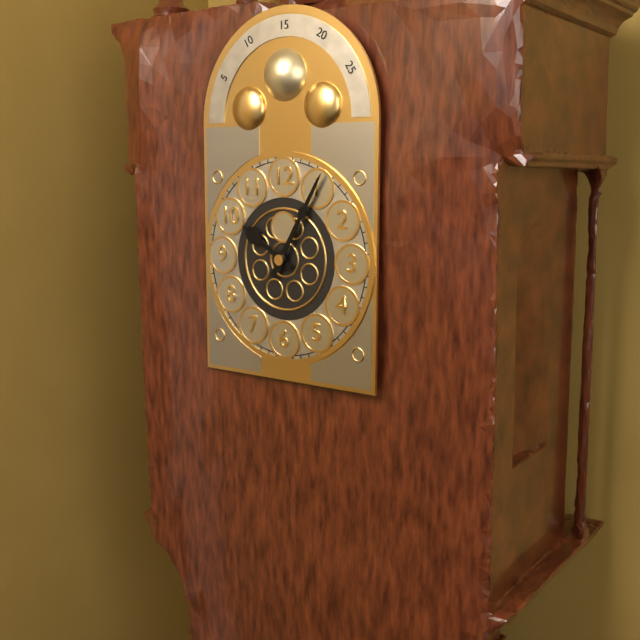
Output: **10:05**
